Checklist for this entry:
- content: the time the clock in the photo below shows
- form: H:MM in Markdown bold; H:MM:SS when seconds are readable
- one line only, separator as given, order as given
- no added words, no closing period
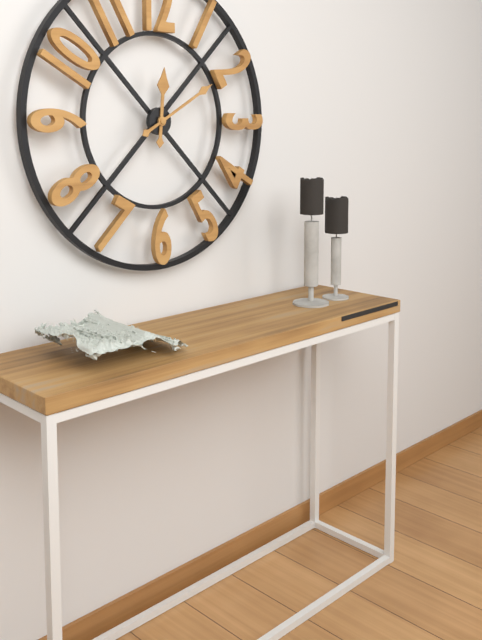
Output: **12:10**
